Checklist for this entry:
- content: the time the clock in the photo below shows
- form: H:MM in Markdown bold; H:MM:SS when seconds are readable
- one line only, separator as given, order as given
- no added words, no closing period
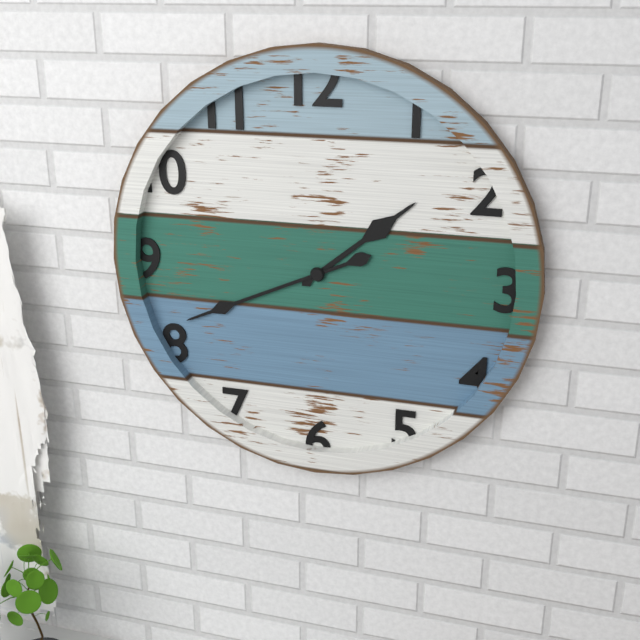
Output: **1:41**
